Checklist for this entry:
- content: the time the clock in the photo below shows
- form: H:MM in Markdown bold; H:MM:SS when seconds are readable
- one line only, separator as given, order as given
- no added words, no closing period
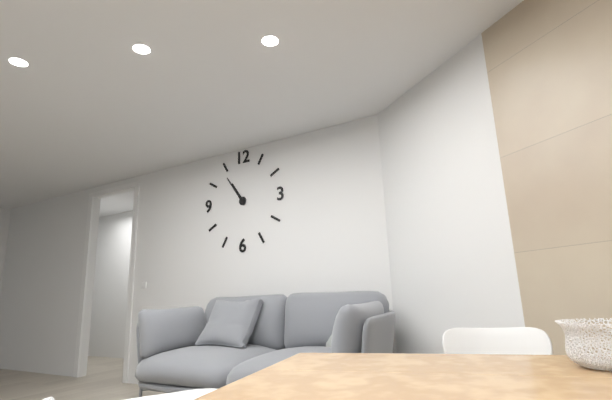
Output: **10:54**
